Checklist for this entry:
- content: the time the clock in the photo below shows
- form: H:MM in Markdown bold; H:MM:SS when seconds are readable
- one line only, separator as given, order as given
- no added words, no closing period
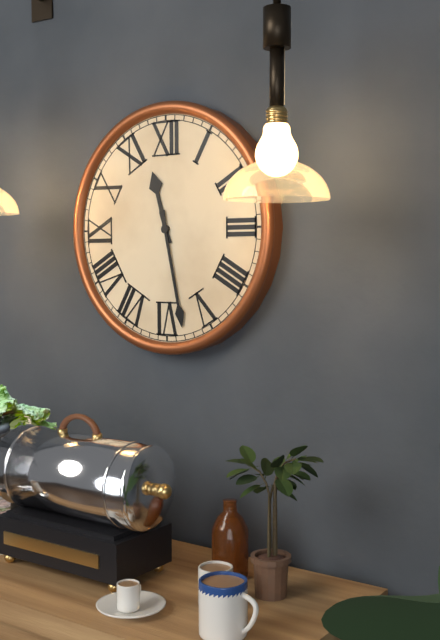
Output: **11:28**
